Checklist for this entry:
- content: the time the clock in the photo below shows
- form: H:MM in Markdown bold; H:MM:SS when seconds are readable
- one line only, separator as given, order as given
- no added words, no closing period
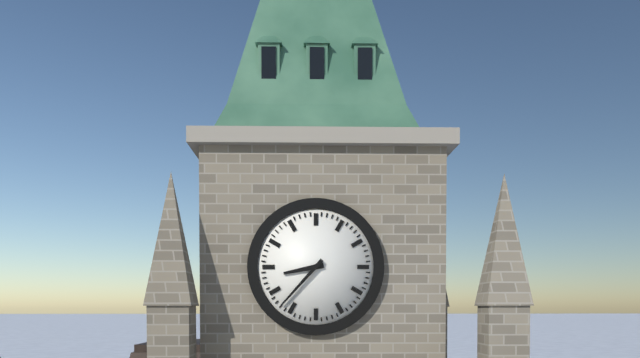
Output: **8:37**
